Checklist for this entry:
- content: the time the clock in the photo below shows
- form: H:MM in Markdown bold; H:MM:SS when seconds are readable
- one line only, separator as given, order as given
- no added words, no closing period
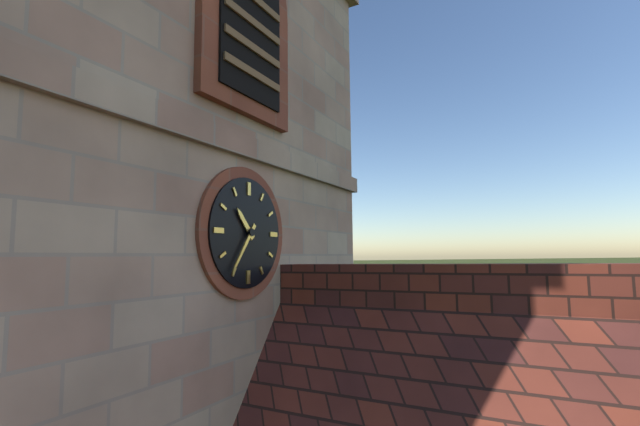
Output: **10:36**
